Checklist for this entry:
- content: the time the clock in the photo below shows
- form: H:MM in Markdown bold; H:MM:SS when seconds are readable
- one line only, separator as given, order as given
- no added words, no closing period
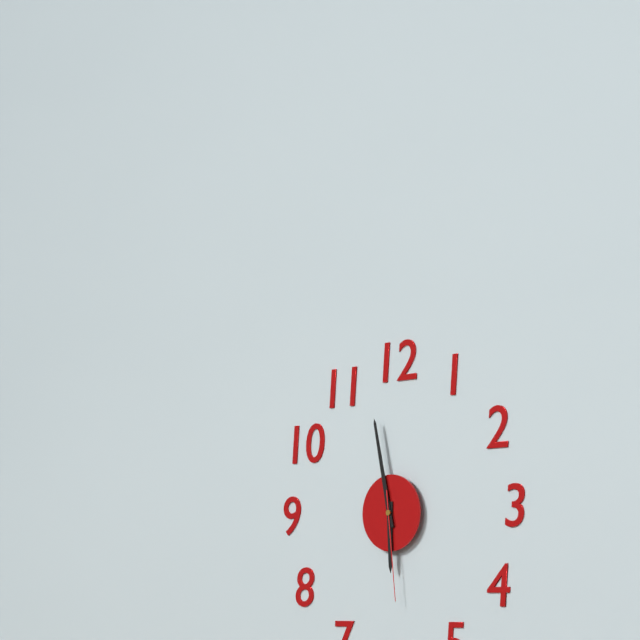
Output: **5:58:29**
